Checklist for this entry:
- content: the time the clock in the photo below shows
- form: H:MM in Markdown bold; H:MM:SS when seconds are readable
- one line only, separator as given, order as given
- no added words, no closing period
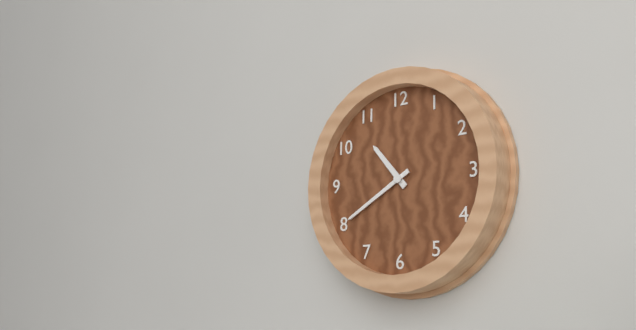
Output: **10:40**
